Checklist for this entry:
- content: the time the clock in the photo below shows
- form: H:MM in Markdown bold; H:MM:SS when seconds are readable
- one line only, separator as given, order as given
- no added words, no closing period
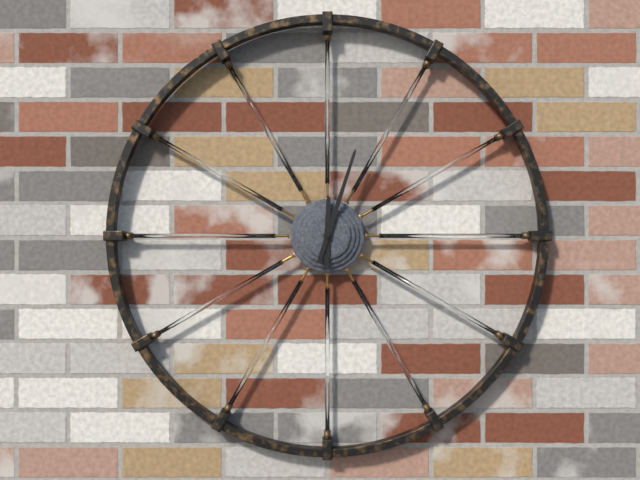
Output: **12:03**
